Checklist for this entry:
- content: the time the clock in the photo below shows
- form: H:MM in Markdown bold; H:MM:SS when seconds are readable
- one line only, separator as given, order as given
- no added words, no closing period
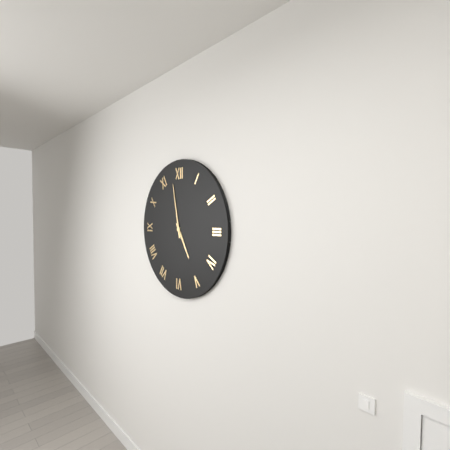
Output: **4:58**
